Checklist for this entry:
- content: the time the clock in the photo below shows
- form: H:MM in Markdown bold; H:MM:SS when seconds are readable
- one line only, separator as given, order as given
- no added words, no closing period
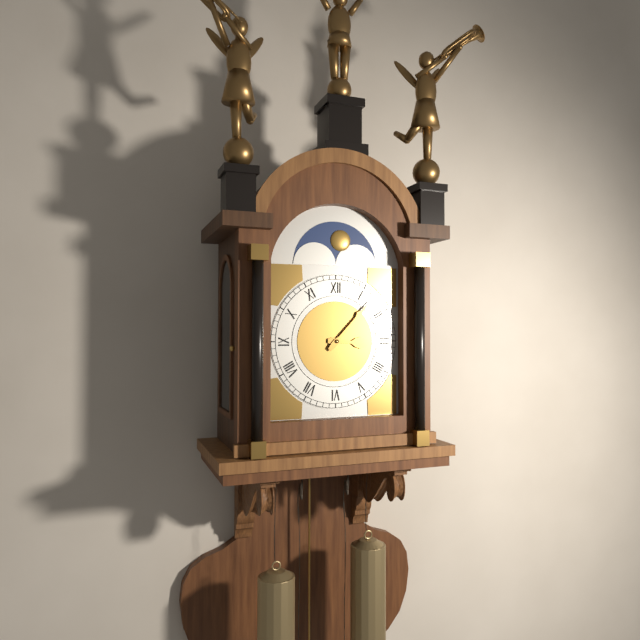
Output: **3:07**
